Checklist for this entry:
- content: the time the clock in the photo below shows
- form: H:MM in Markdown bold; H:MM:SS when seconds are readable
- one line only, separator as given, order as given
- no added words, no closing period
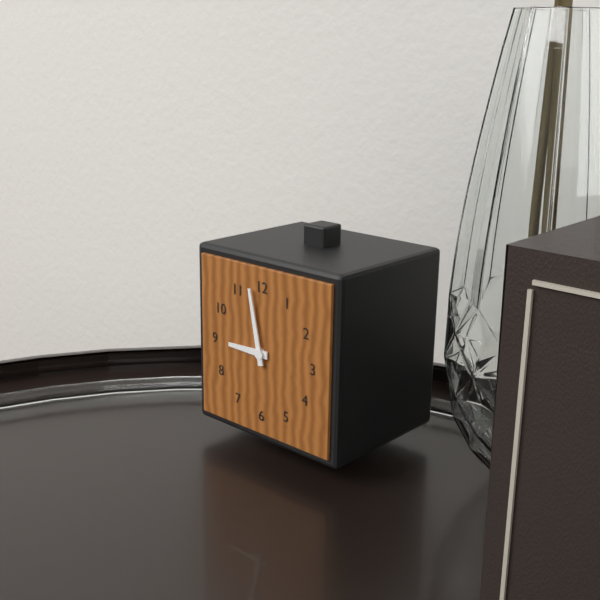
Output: **8:58**
